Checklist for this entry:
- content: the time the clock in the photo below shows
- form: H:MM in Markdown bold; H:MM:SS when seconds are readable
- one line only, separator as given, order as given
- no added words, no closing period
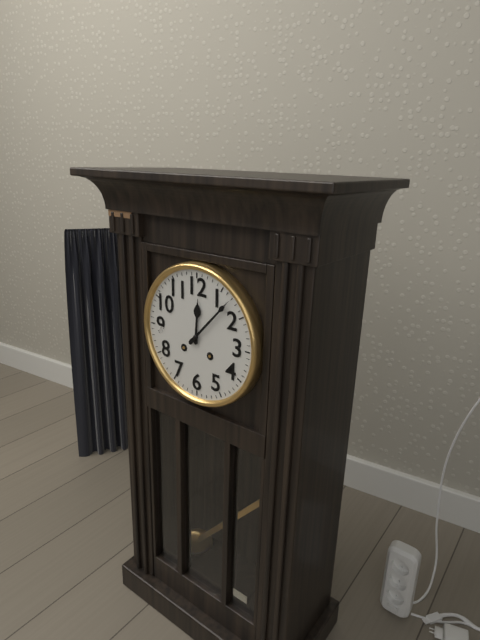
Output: **12:07**
